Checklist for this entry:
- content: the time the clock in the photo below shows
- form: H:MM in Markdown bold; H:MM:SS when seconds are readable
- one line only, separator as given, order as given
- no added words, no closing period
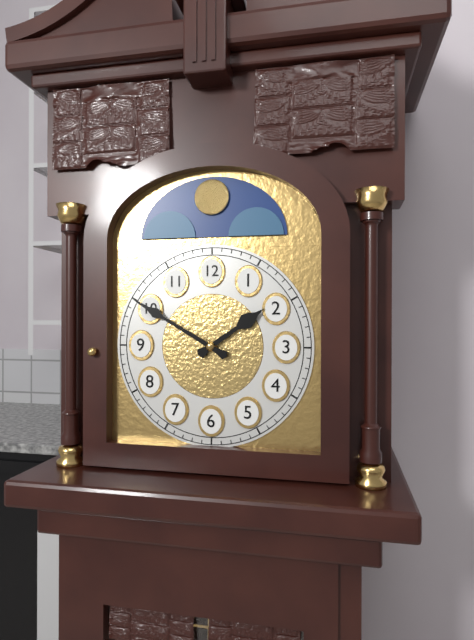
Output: **1:50**
